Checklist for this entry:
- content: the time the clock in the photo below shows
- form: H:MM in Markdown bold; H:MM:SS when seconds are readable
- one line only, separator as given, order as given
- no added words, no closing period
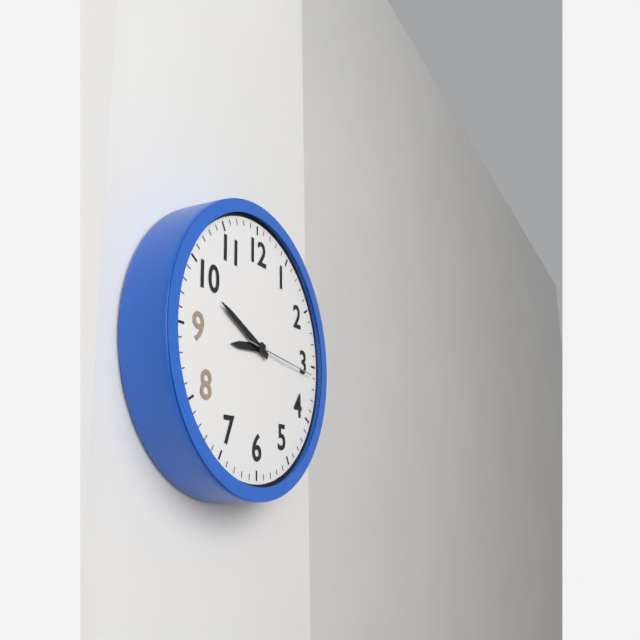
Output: **8:49:16**
